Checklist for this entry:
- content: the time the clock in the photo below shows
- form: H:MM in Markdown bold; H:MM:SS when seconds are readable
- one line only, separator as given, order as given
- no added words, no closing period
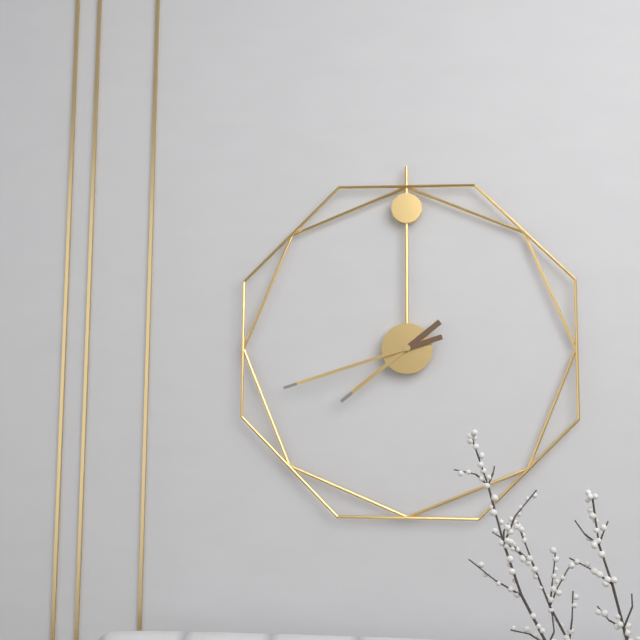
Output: **7:42**
